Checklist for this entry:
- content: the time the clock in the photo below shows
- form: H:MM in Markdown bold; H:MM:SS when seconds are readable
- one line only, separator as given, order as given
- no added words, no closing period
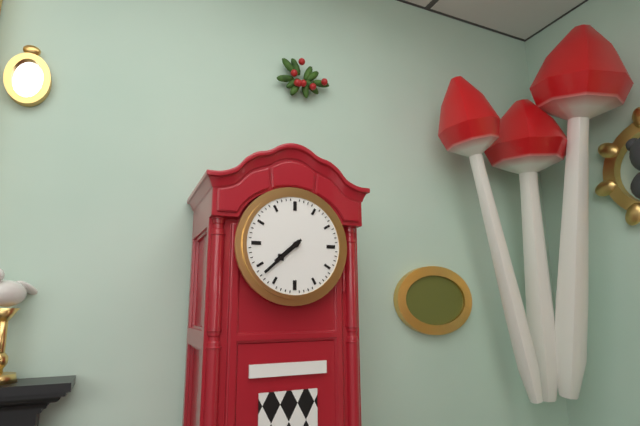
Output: **7:38**
